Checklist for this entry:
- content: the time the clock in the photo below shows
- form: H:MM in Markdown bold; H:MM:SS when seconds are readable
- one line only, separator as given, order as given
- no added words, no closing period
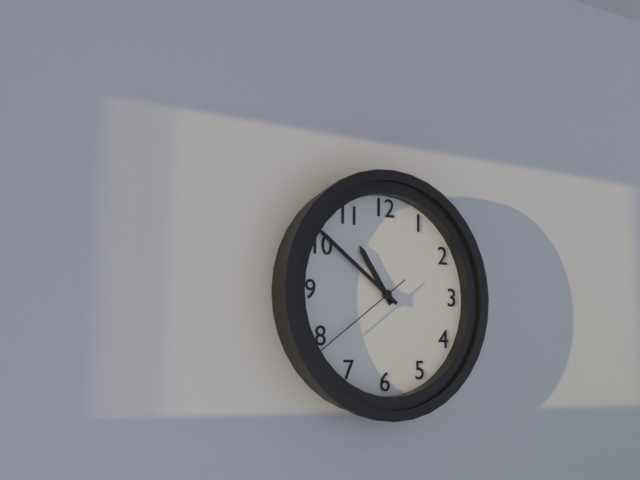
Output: **10:51:39**
